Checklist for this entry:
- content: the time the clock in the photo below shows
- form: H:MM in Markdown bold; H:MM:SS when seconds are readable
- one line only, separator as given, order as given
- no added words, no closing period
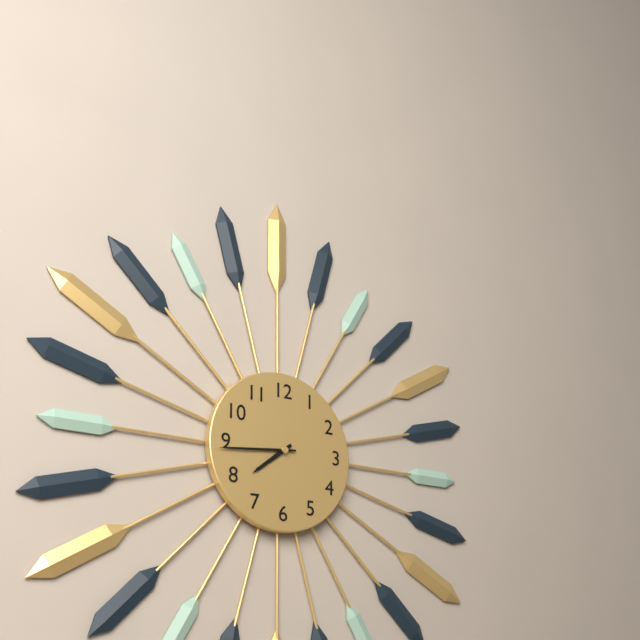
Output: **7:44**
